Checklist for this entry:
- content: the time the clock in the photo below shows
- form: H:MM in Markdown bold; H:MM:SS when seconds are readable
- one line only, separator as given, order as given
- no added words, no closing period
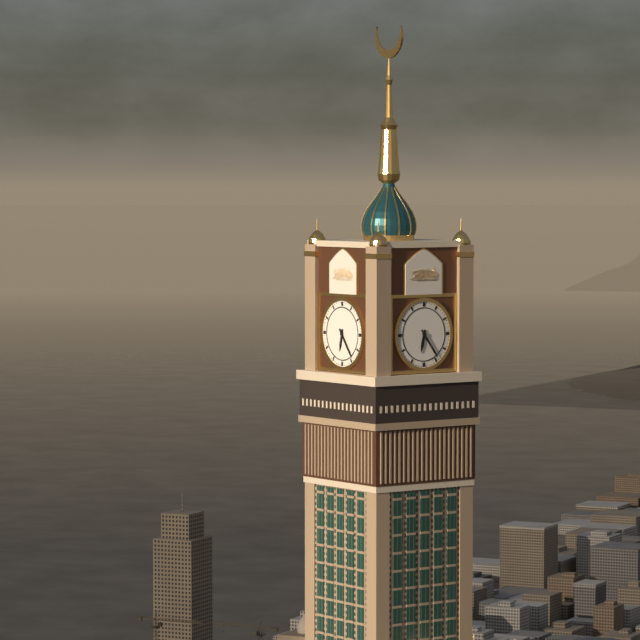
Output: **6:24**
